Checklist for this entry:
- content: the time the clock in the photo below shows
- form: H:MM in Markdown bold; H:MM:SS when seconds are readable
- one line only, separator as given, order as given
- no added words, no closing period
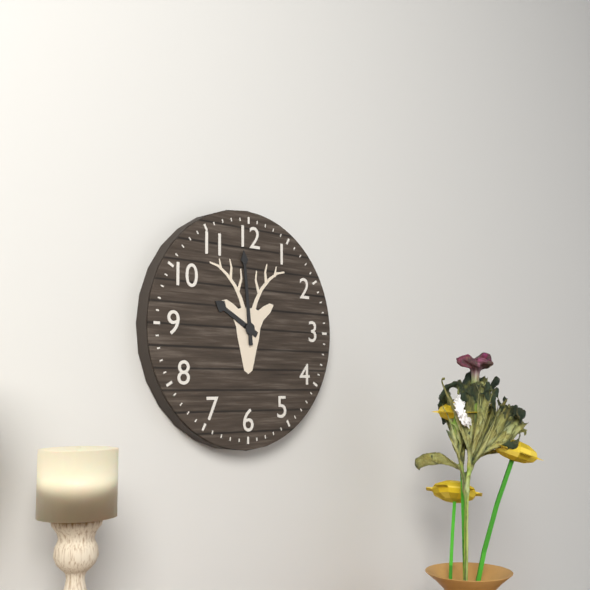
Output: **9:59**
